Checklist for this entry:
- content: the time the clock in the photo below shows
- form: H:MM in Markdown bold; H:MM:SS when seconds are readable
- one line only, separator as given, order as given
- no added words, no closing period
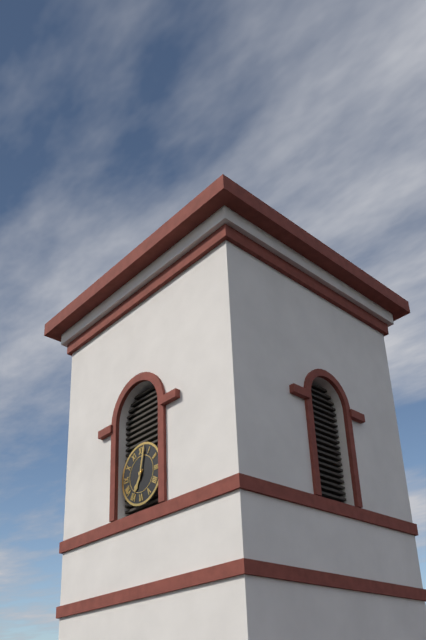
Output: **7:02**
